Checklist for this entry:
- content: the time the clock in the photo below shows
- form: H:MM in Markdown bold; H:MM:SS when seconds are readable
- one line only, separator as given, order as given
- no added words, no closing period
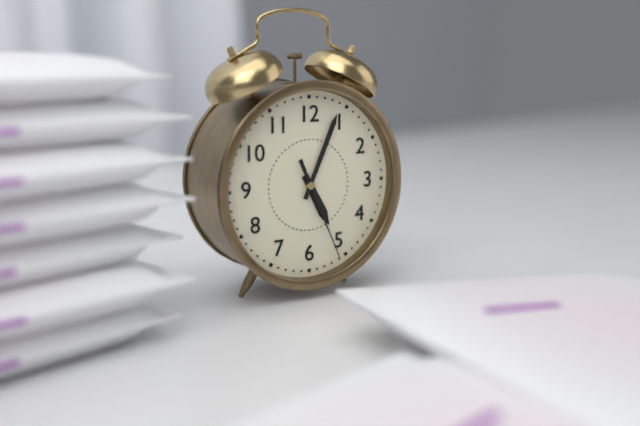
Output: **5:04:26**
